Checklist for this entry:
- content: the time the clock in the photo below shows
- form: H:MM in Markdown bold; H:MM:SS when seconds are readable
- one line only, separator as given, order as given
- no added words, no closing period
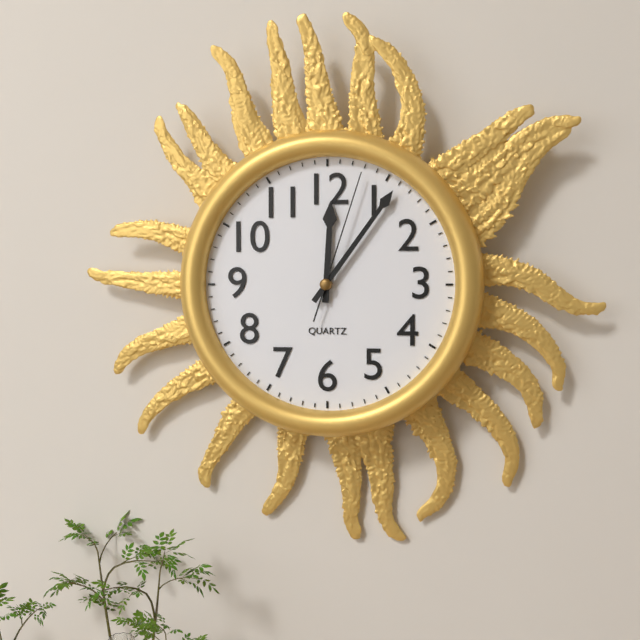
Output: **12:06:03**
